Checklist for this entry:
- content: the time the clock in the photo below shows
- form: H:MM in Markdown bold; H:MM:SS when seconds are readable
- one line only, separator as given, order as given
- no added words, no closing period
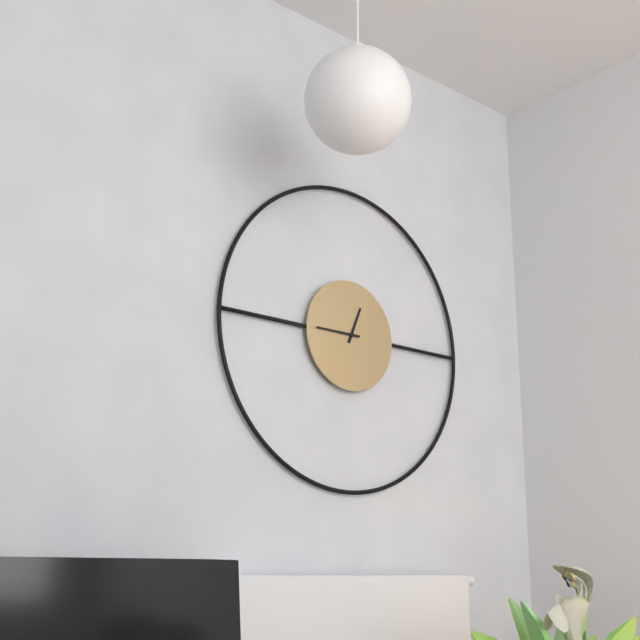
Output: **12:45**
